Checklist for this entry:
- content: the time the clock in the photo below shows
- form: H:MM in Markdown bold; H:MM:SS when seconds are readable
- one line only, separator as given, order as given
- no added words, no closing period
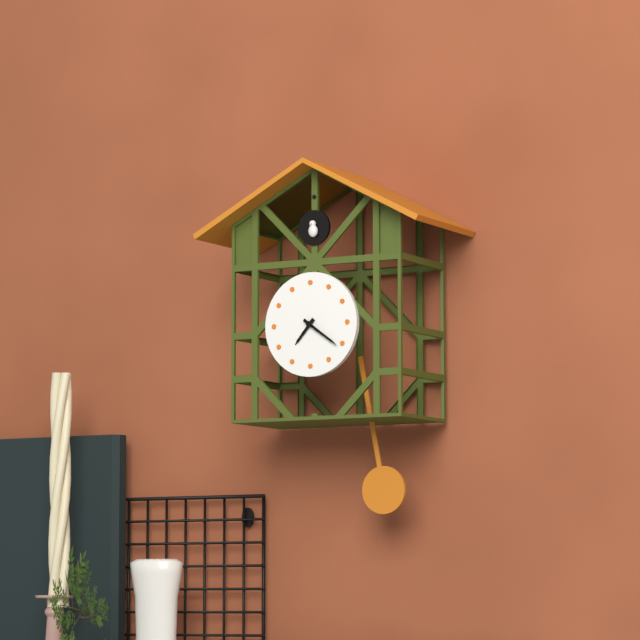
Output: **7:21**
